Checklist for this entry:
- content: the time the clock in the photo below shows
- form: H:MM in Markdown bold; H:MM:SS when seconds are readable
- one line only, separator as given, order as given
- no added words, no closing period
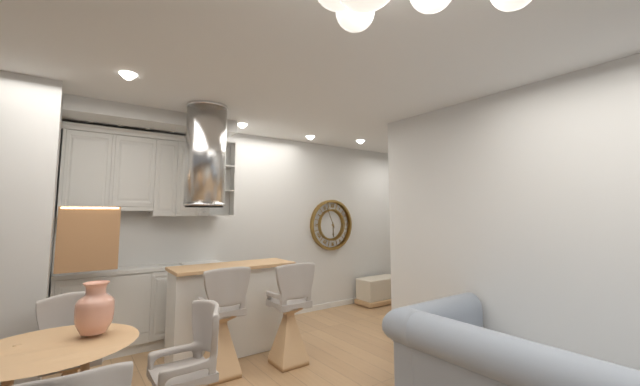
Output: **5:56**
